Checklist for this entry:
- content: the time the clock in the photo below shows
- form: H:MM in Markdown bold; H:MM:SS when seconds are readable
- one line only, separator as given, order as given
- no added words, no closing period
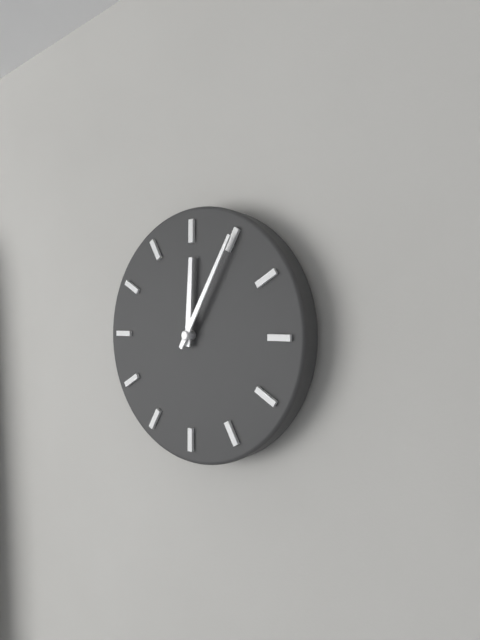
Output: **12:05**
